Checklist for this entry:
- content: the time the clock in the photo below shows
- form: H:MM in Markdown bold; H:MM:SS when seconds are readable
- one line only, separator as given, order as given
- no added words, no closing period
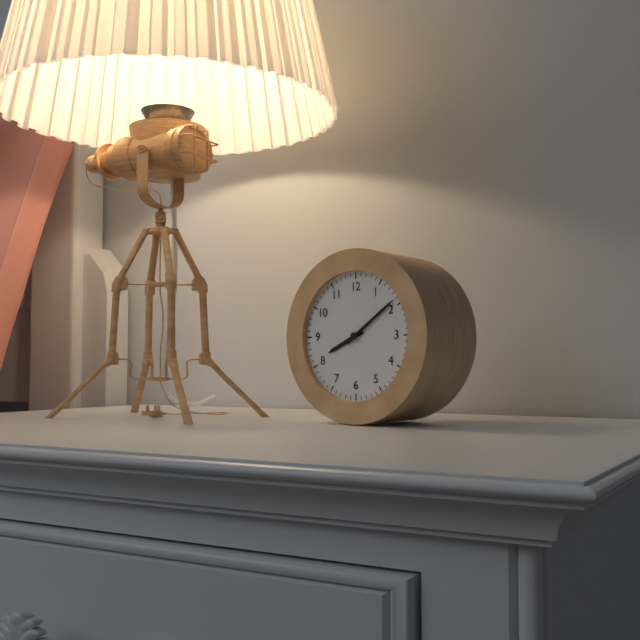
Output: **8:09**
